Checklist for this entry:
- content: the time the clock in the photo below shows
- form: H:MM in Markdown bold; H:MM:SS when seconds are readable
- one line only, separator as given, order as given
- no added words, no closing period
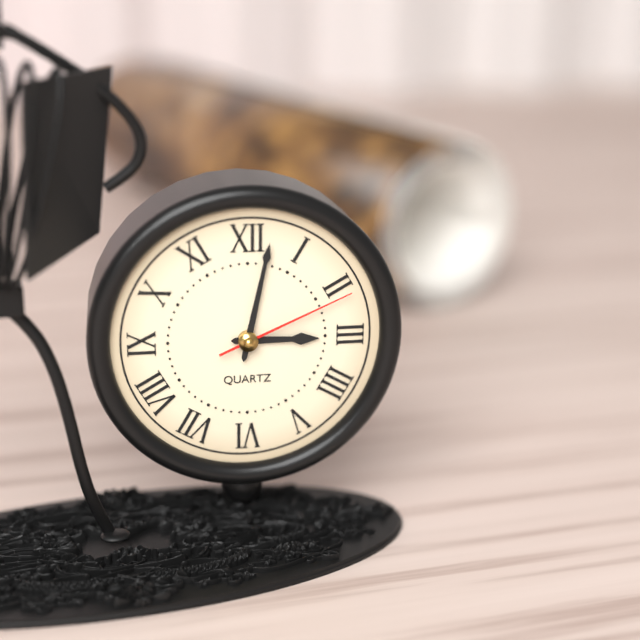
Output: **3:02:11**
